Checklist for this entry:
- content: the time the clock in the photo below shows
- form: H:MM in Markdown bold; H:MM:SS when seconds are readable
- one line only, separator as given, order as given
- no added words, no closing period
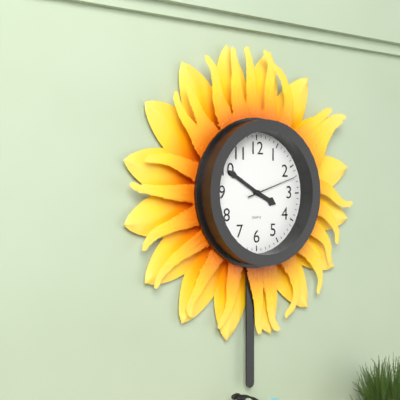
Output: **3:50:12**
